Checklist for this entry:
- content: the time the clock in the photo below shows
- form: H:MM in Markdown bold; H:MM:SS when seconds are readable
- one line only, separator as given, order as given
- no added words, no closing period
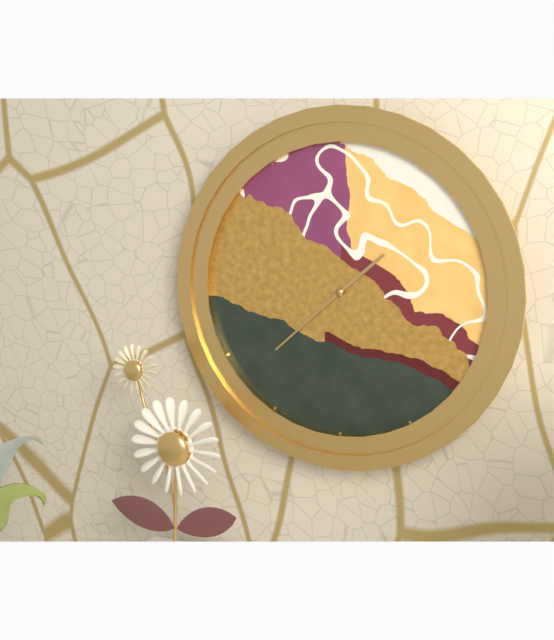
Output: **1:38**
